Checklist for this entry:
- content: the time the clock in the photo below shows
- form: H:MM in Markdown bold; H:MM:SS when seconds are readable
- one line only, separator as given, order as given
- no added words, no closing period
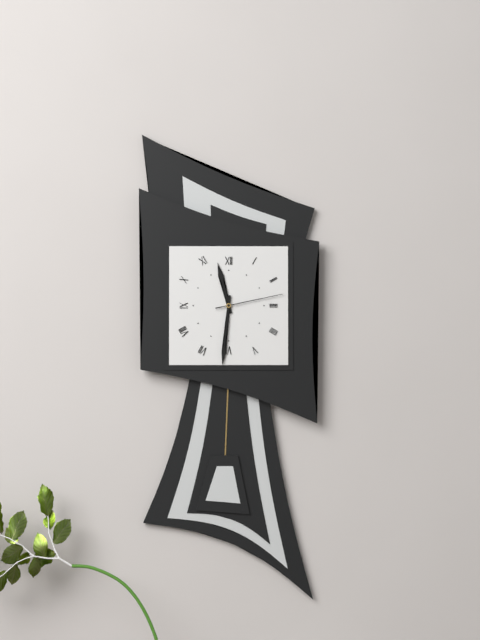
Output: **11:31:13**
